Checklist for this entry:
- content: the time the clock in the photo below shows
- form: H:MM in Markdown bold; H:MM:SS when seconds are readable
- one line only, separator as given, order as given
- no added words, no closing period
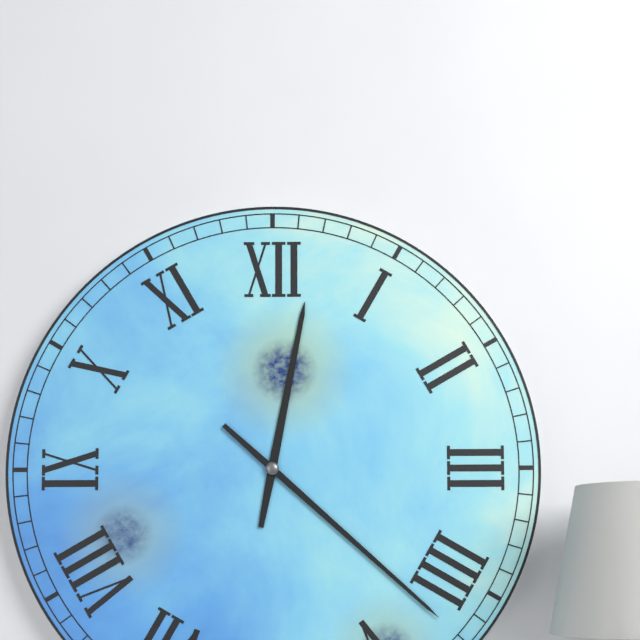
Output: **12:22**
